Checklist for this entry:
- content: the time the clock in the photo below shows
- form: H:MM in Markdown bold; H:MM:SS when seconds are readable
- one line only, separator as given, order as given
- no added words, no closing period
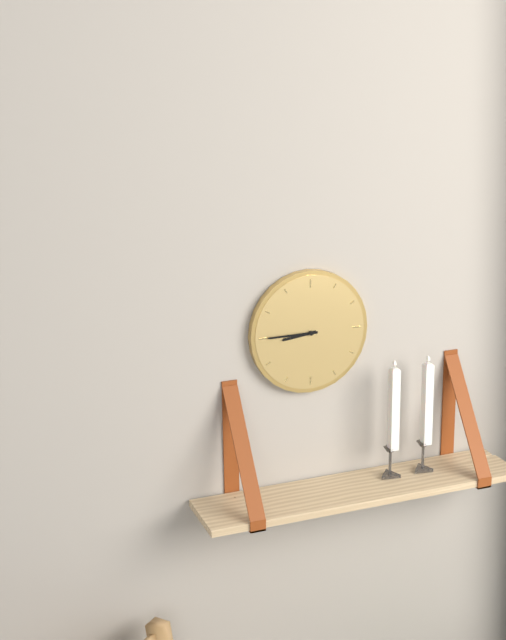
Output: **8:45**
